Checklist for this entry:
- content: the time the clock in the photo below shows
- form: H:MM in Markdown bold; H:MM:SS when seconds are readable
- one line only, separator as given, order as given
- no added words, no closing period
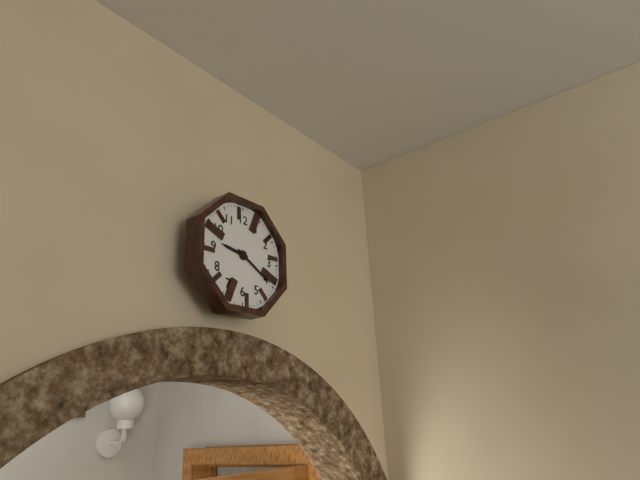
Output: **9:20**
